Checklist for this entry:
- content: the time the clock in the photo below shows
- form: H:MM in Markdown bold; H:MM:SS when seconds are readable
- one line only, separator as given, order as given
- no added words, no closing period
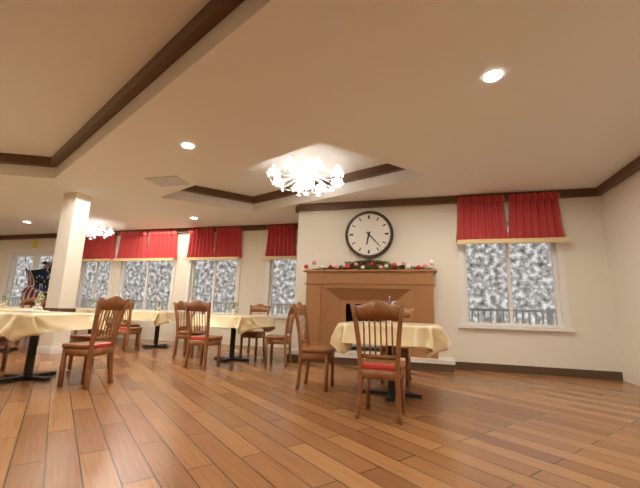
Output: **6:23**
